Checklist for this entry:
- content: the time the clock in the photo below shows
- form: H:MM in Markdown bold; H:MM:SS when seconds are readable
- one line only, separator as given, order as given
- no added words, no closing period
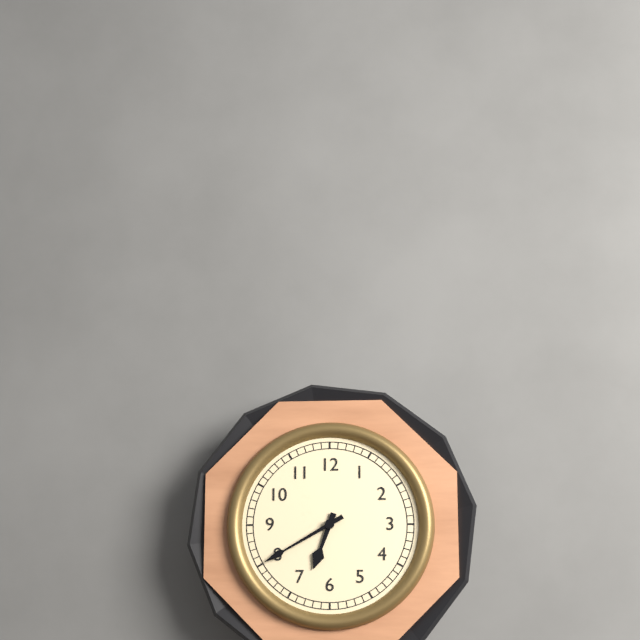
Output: **6:40**
